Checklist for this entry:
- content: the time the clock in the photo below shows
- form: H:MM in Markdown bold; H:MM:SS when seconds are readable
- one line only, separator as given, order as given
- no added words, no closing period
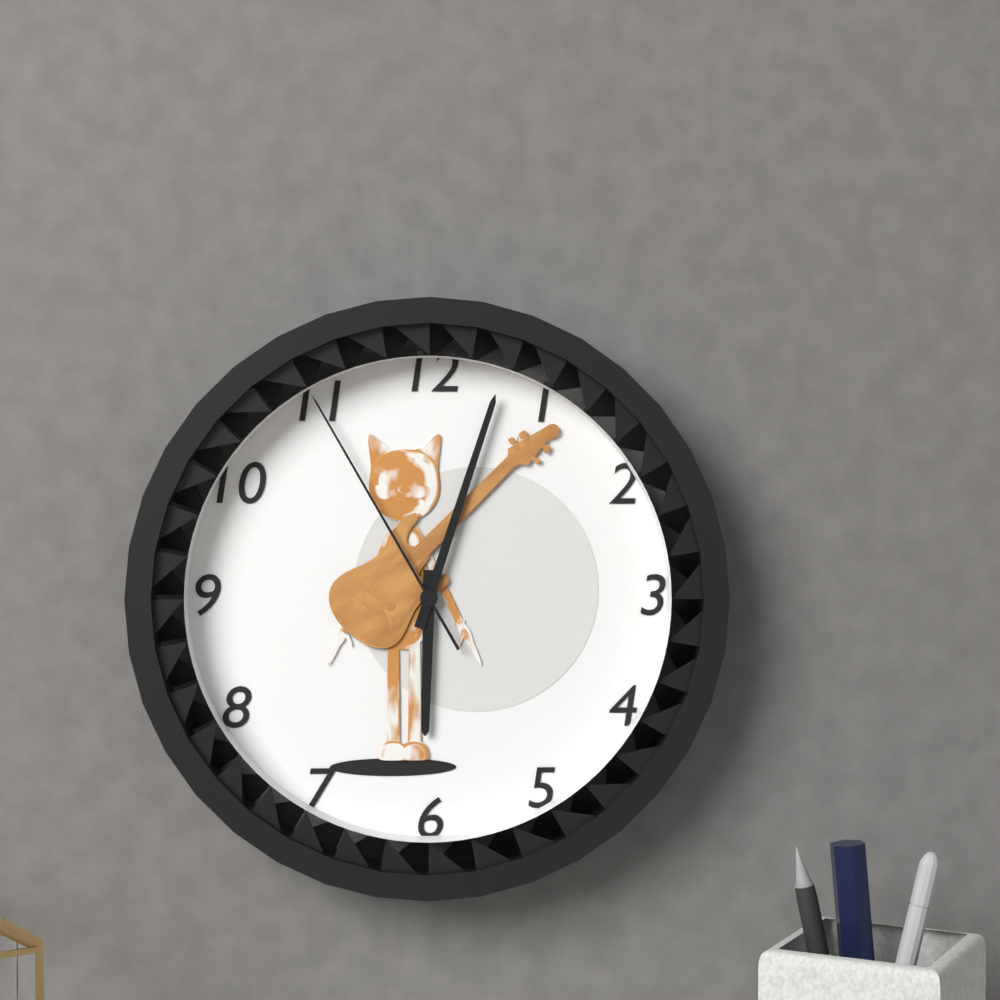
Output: **6:03:55**
